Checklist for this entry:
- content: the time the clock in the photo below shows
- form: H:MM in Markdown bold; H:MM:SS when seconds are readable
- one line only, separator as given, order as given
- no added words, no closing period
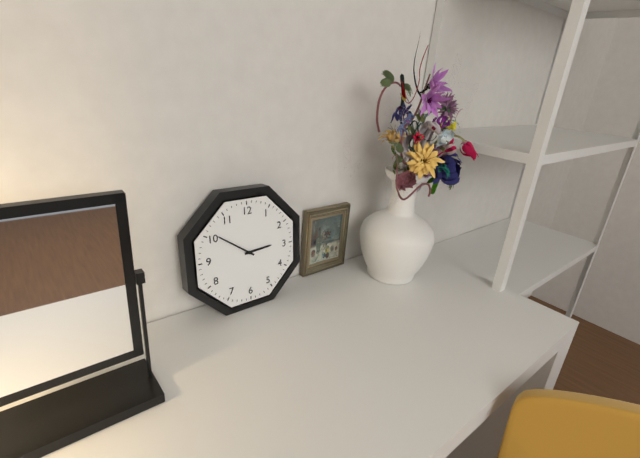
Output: **2:51**
